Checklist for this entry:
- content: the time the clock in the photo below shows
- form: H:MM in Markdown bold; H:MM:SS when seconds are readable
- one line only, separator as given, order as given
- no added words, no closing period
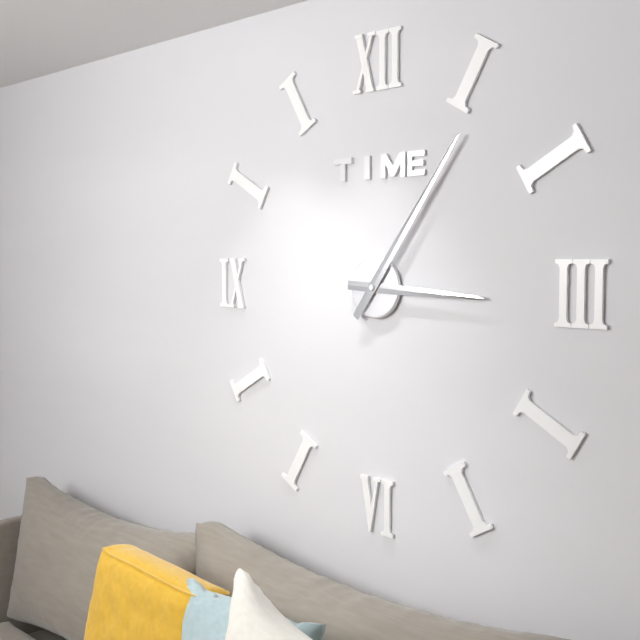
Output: **3:06**
